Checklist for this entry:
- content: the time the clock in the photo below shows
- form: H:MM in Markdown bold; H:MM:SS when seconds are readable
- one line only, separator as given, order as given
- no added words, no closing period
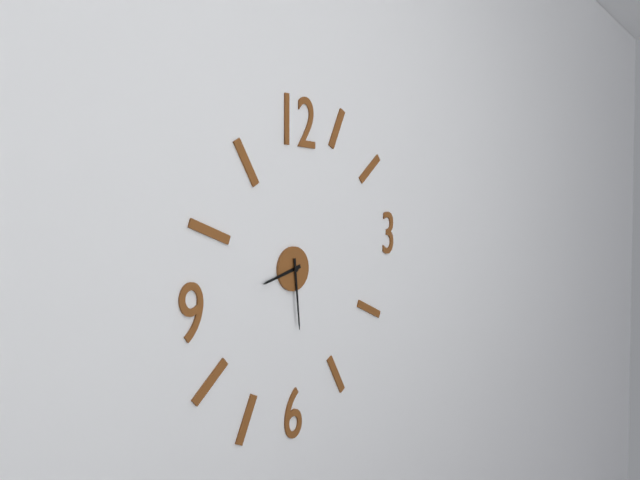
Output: **8:29**
